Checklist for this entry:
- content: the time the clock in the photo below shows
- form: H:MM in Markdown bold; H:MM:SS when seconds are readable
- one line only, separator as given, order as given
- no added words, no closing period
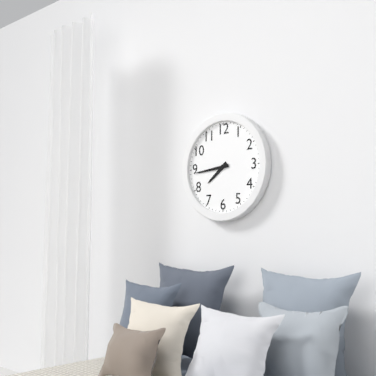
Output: **7:44**
